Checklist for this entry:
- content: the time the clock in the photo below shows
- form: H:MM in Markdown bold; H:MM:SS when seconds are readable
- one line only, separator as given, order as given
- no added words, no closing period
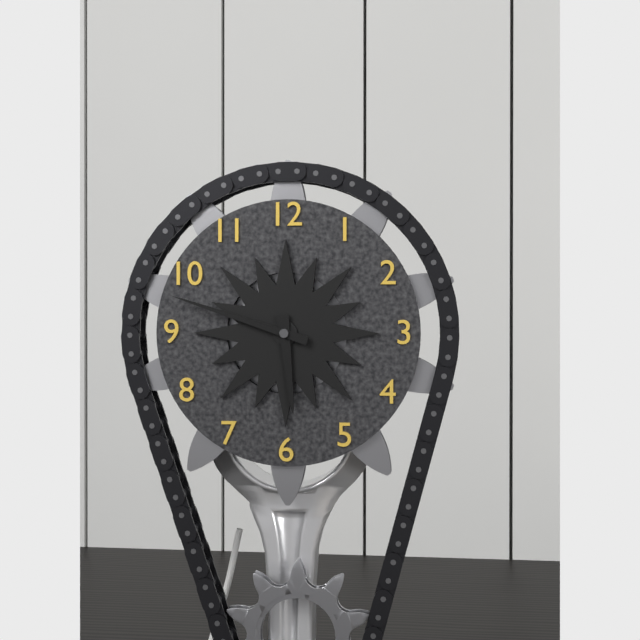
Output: **5:48**
